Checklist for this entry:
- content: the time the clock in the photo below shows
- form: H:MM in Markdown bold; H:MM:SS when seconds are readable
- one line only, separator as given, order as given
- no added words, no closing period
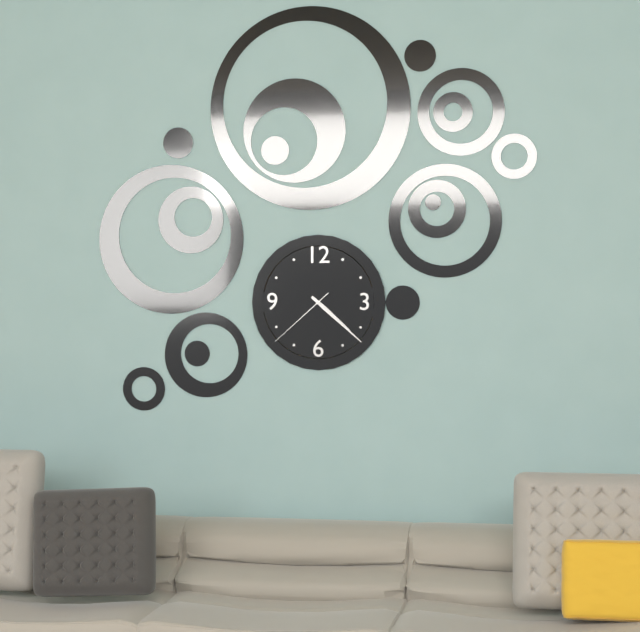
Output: **4:22:38**
